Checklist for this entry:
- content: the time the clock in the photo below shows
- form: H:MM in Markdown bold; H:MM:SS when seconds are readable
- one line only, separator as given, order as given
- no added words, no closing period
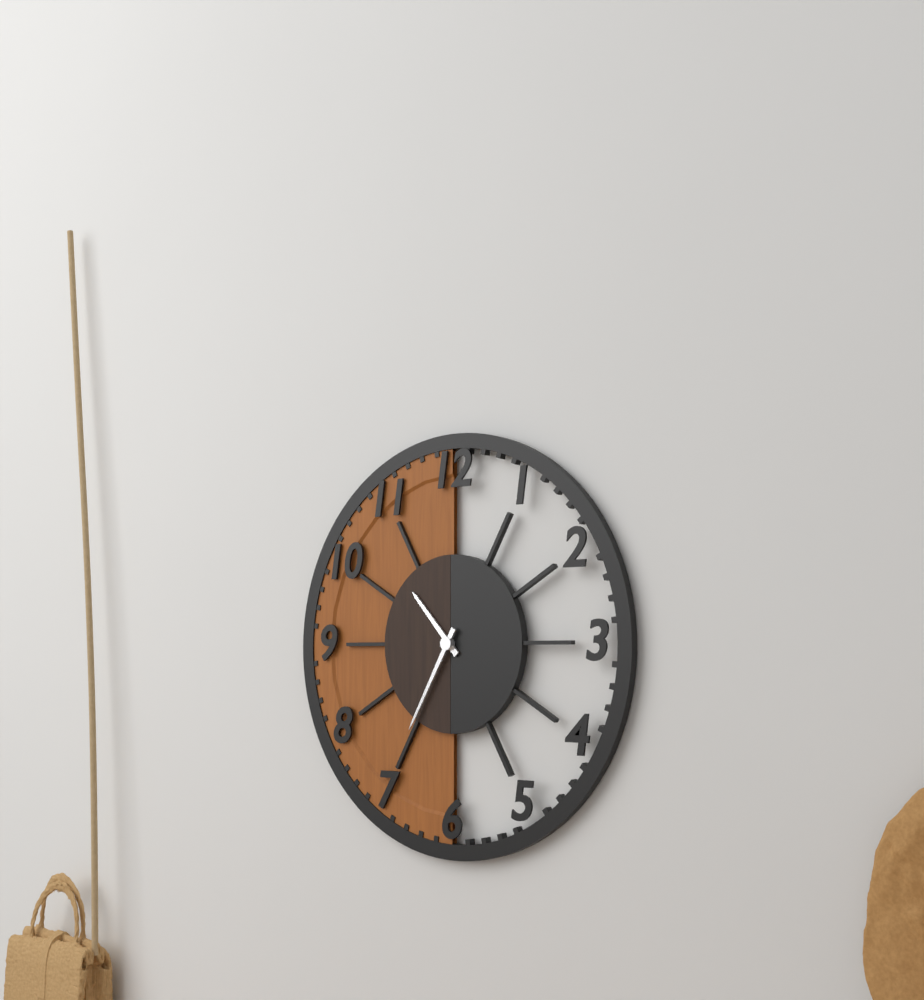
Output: **10:35**
